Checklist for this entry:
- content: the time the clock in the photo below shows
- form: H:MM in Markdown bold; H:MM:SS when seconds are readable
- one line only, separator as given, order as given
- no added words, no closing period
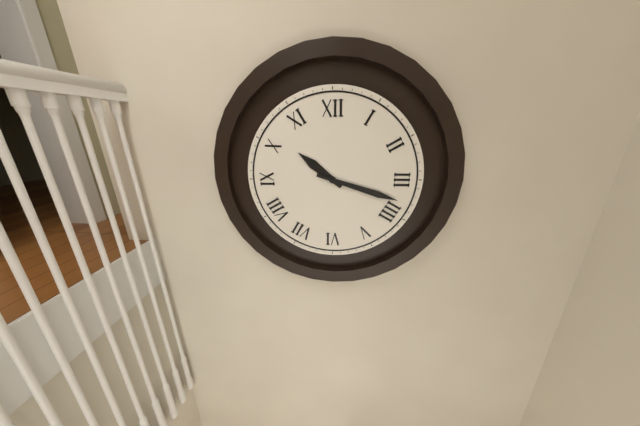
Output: **10:18**
